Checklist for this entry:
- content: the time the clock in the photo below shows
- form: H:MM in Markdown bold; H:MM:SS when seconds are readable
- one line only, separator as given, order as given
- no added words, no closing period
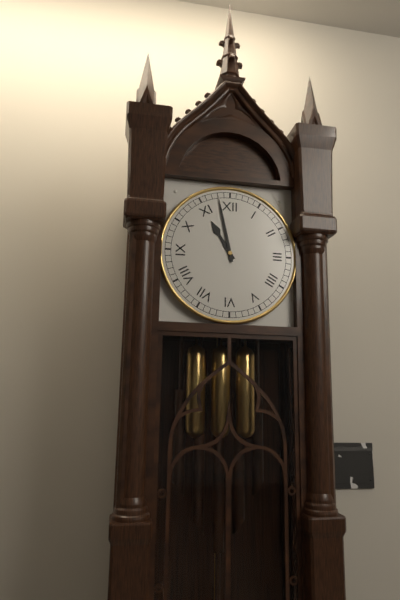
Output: **10:58**
